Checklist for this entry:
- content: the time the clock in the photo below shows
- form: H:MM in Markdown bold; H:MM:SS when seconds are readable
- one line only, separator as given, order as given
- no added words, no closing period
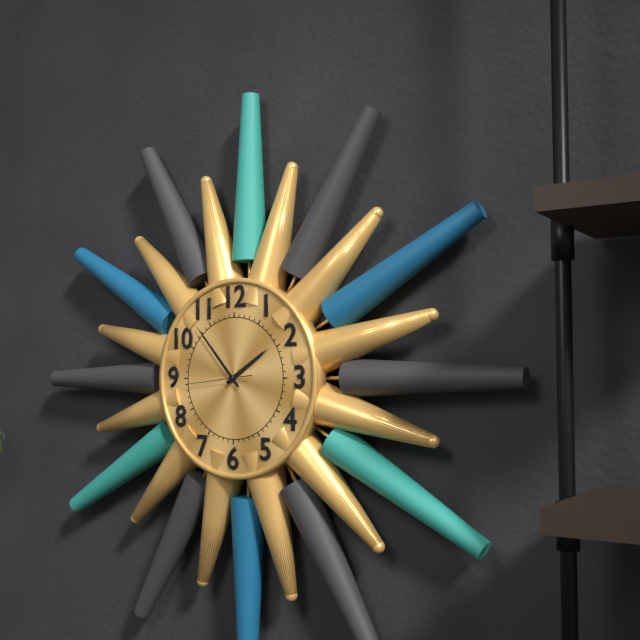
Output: **1:53:44**
